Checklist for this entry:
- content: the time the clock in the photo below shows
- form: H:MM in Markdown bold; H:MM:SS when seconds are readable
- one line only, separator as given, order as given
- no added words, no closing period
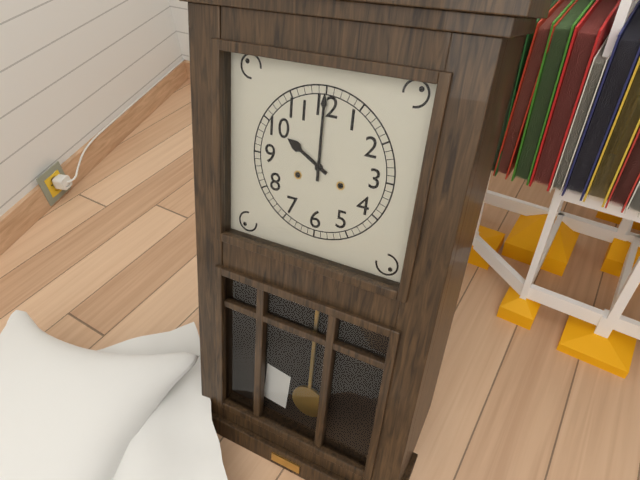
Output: **10:00**
